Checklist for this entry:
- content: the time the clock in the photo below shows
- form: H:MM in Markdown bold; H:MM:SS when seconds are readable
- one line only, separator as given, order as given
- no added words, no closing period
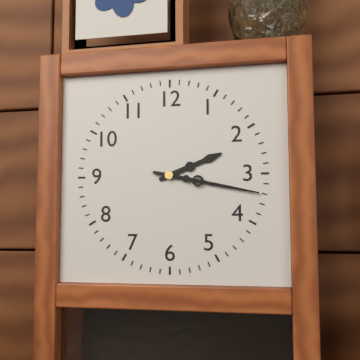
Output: **2:17**
